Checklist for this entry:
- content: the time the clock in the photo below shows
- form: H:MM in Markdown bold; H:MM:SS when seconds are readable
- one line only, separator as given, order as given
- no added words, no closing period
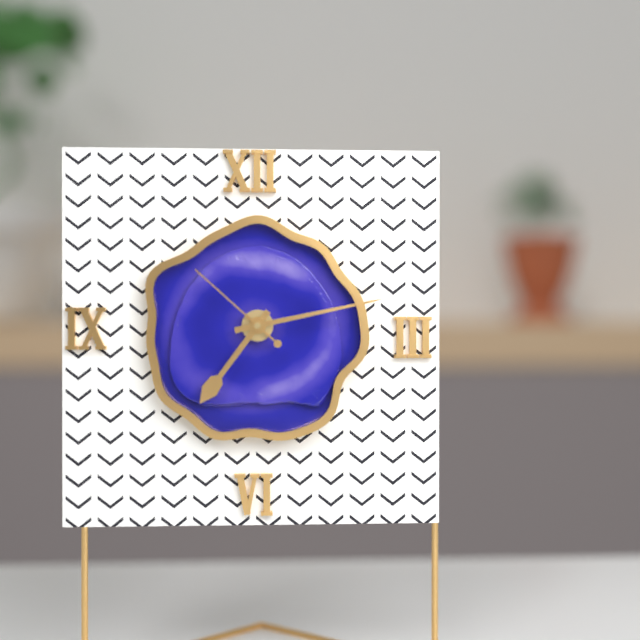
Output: **7:13:52**
